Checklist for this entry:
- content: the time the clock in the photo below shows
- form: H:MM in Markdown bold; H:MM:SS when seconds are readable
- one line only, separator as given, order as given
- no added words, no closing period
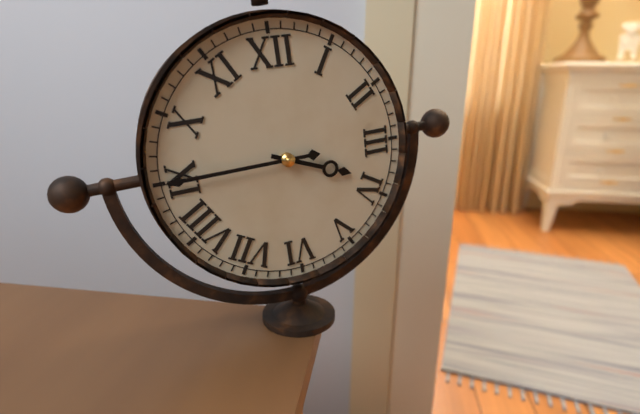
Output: **3:45**
